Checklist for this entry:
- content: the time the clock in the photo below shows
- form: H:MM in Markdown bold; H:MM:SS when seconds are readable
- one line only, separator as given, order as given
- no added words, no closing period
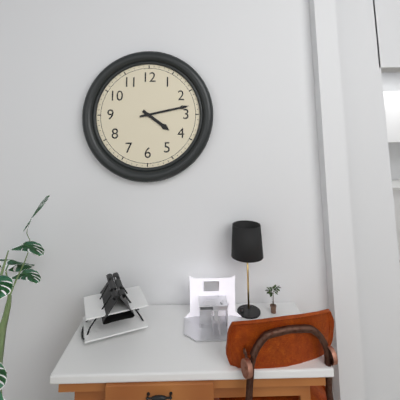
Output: **4:13**
